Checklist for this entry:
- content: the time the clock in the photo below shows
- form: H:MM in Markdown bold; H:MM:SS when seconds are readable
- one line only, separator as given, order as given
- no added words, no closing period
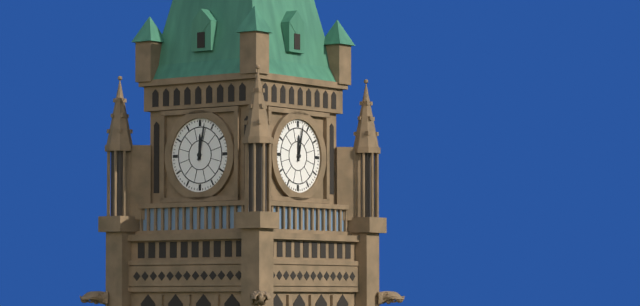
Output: **12:02**
